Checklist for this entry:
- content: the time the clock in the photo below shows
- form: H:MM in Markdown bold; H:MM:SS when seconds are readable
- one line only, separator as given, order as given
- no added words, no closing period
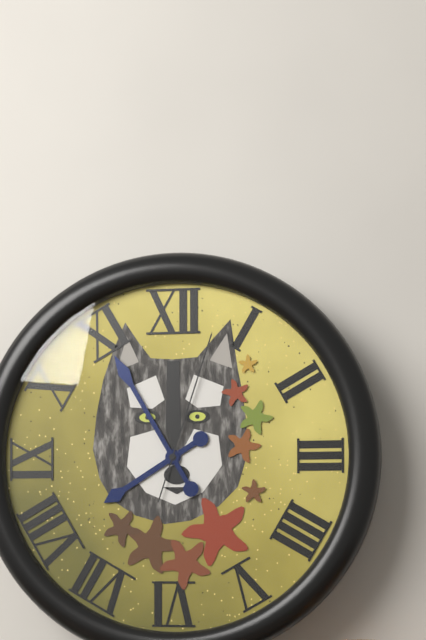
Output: **7:55:03**
